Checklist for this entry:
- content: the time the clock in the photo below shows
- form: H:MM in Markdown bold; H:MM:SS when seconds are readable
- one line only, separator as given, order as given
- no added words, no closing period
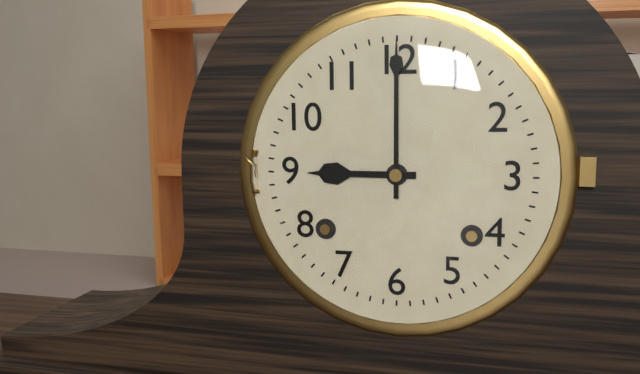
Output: **9:00**
